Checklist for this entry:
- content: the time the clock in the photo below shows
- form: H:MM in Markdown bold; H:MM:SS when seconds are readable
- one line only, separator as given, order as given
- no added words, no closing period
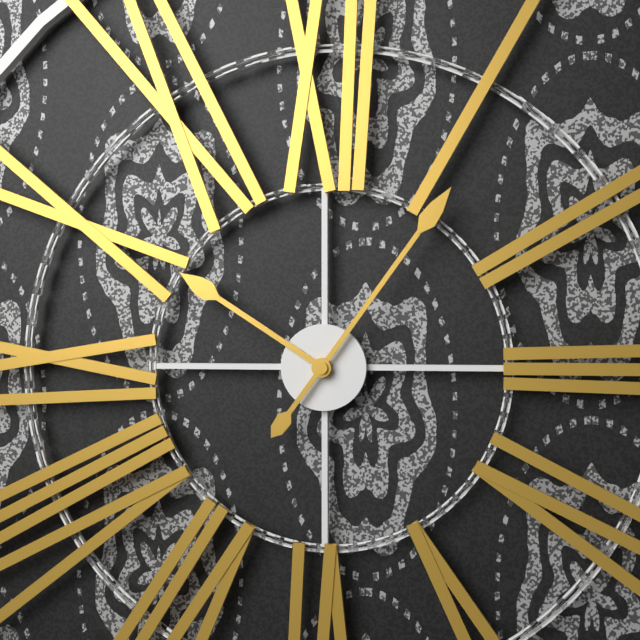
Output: **10:06**
